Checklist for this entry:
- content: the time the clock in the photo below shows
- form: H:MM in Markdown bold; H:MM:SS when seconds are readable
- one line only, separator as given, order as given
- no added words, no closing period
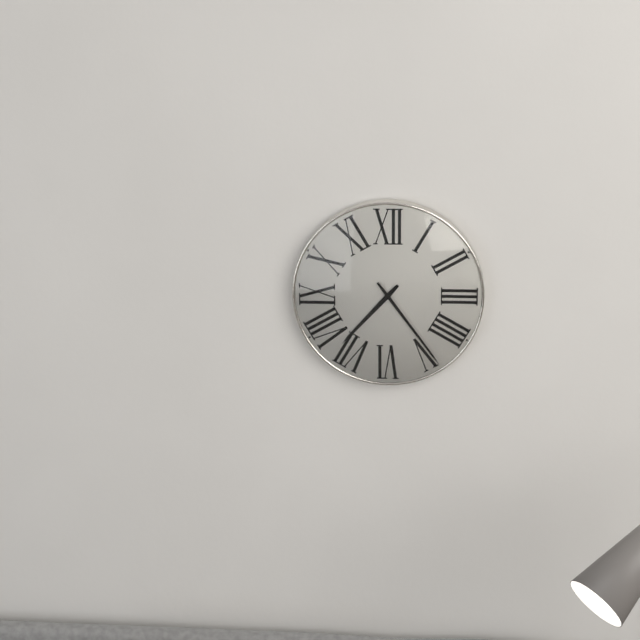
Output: **7:24**
